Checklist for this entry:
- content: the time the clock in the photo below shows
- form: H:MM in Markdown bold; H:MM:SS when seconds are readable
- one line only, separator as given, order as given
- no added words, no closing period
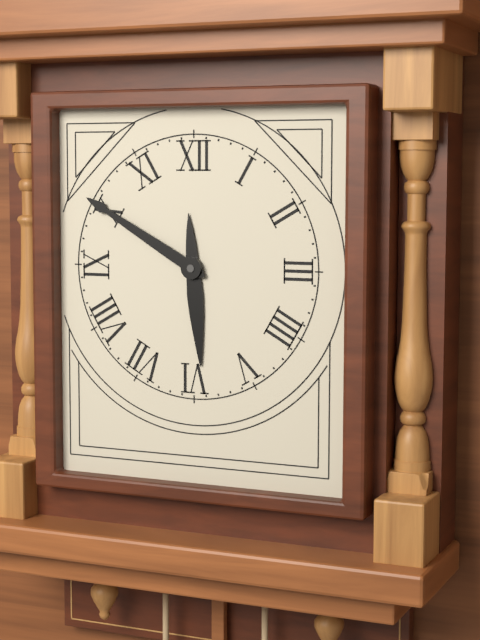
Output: **5:50**
